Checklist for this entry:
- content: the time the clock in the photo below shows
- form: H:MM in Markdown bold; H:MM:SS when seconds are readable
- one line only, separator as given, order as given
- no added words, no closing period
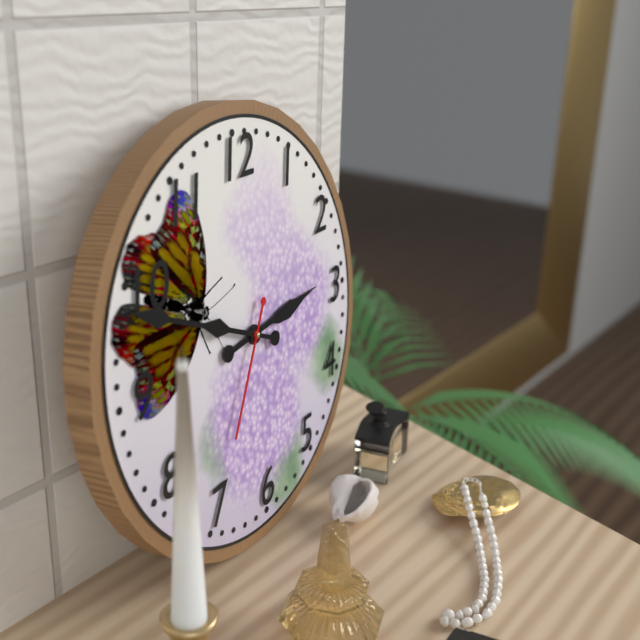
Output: **2:49:35**
